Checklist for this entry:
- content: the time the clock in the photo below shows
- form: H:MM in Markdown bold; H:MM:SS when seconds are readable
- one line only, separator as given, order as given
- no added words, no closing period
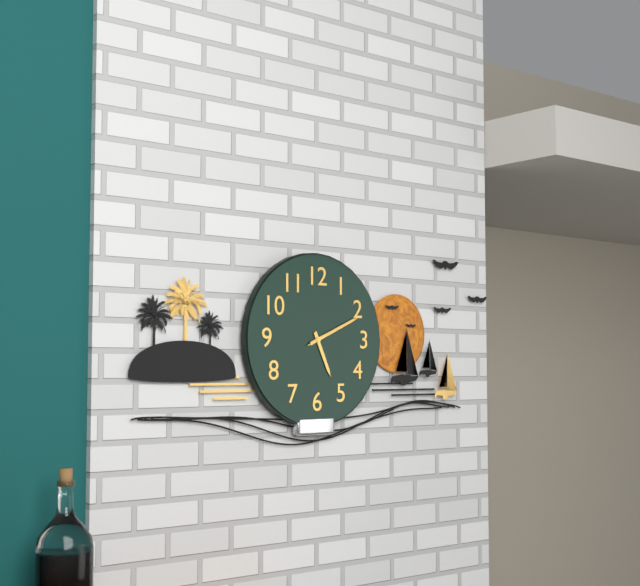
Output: **5:11:11**
